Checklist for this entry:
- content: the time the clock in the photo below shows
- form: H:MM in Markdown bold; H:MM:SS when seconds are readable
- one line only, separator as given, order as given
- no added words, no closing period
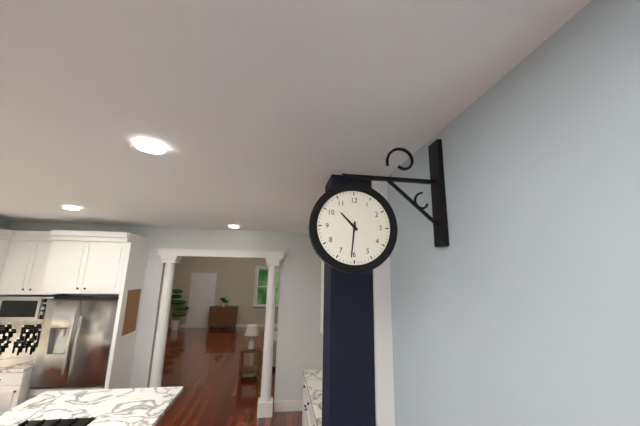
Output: **10:31**
